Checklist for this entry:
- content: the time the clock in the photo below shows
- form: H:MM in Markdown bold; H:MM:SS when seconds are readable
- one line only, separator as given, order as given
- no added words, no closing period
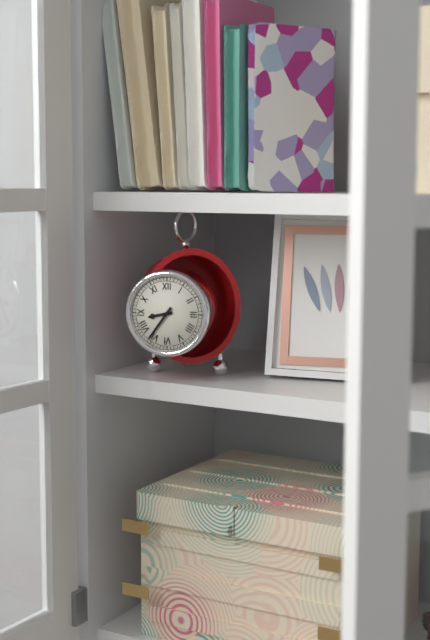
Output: **8:36**
